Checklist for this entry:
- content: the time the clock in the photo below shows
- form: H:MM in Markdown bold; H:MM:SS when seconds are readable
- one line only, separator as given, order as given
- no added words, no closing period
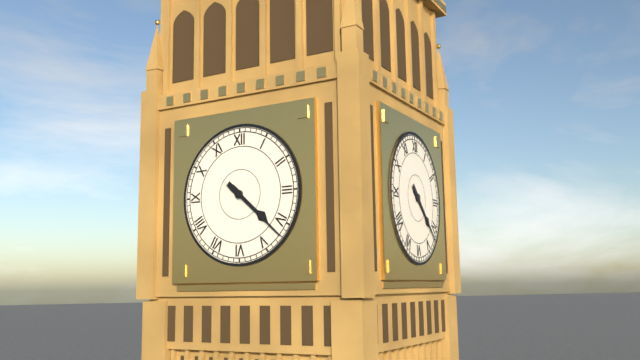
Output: **4:22**
